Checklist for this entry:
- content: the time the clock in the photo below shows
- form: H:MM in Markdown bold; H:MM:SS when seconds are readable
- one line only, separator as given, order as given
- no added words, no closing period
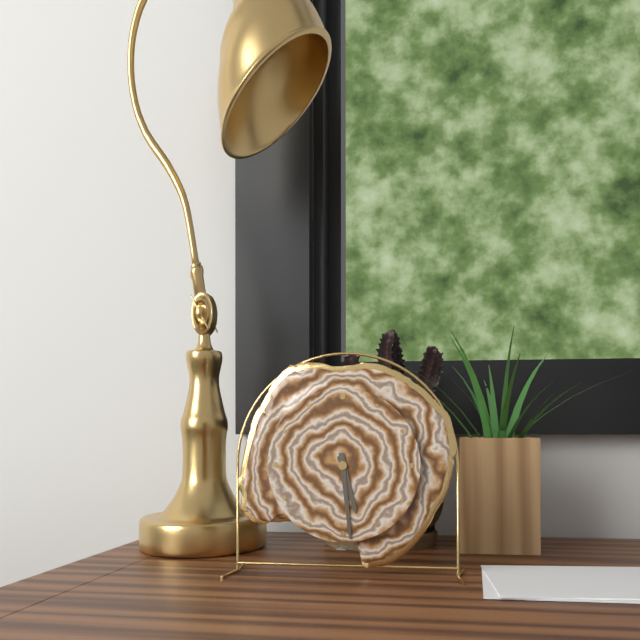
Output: **5:29**
